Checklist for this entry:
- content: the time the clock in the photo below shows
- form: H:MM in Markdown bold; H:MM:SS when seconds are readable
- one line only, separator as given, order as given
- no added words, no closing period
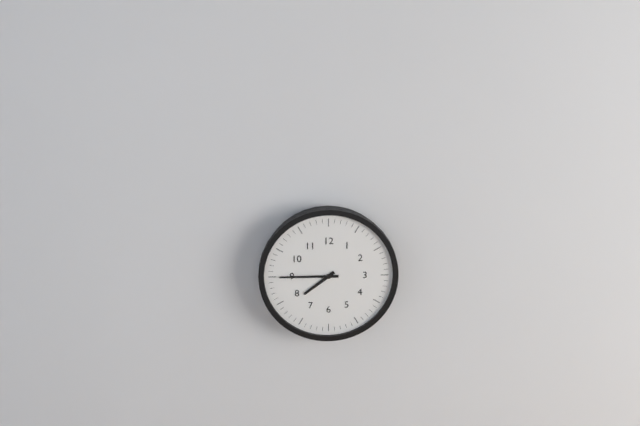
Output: **7:45**
